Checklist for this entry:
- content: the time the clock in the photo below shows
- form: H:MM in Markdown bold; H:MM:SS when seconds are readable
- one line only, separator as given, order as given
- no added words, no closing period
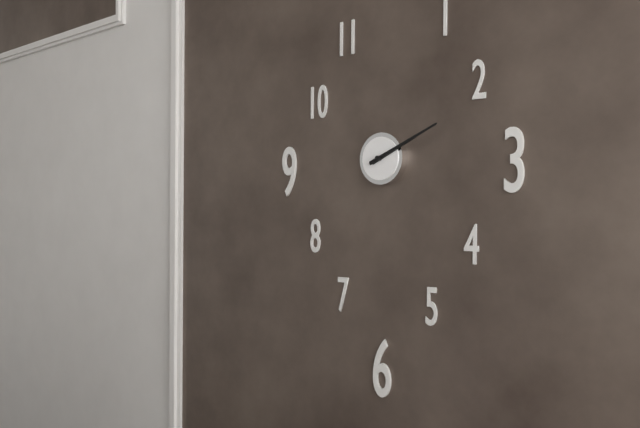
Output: **2:11**
